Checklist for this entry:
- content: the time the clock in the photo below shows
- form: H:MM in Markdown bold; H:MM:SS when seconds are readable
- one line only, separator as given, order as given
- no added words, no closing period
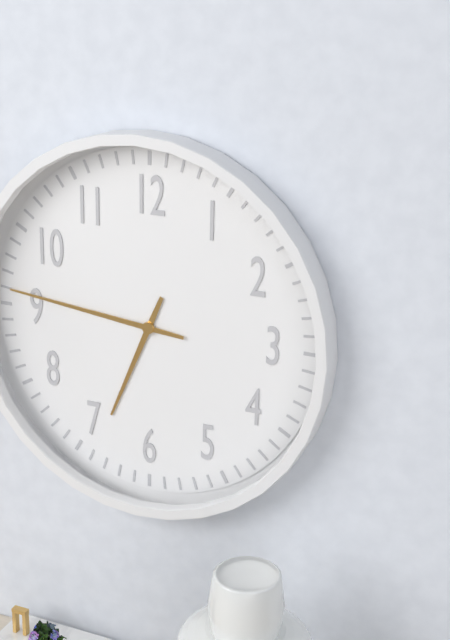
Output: **6:46**
